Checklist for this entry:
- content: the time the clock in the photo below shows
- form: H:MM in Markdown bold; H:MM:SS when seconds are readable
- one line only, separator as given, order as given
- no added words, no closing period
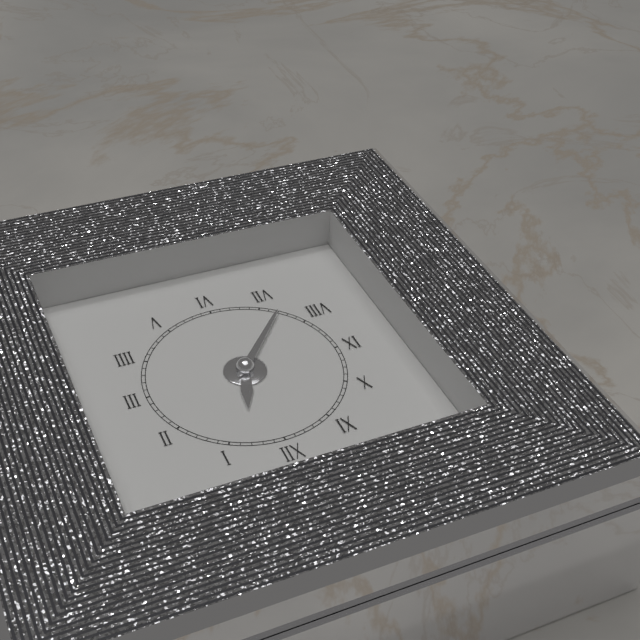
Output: **12:37**
